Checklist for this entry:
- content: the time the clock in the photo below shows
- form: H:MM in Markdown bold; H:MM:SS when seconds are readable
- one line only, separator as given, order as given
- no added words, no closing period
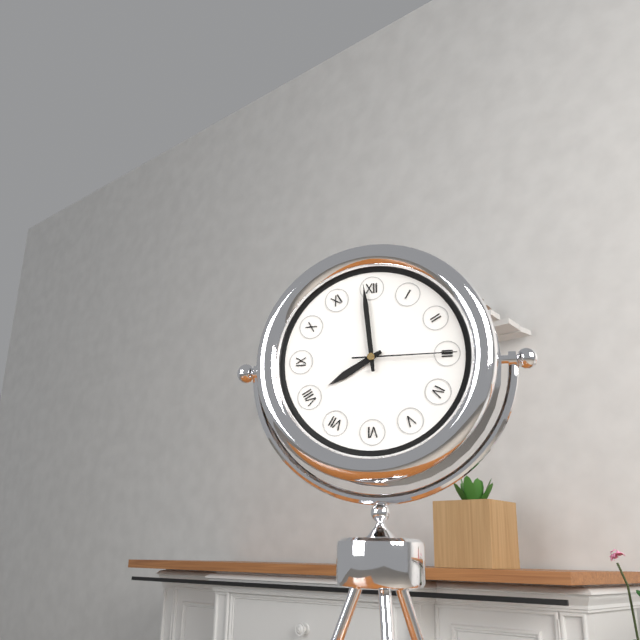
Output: **7:59:15**
